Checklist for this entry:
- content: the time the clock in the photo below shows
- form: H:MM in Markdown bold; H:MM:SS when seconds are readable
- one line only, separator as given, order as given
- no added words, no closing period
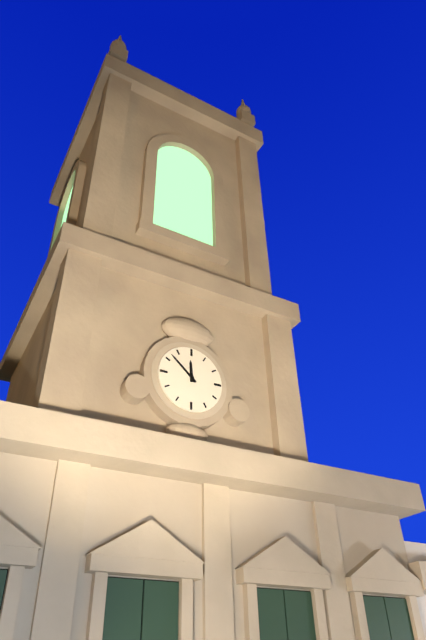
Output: **11:52**
